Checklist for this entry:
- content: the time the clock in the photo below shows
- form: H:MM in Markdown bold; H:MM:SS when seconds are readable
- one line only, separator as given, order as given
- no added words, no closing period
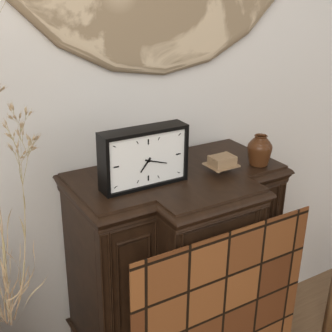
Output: **7:18**
